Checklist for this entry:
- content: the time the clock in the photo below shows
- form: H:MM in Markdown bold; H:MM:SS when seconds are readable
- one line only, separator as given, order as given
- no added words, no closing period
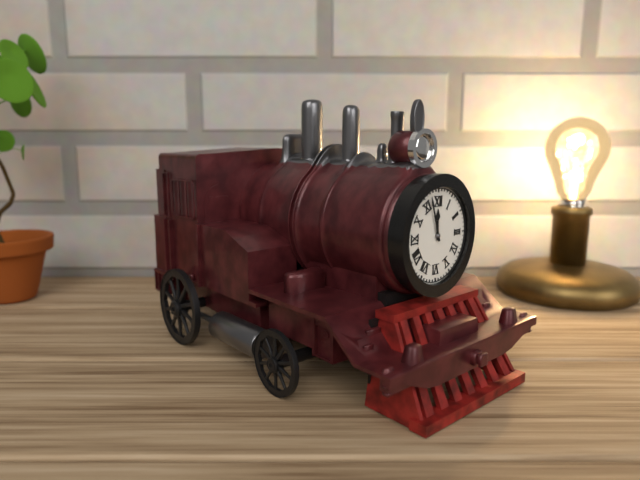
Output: **11:57**
